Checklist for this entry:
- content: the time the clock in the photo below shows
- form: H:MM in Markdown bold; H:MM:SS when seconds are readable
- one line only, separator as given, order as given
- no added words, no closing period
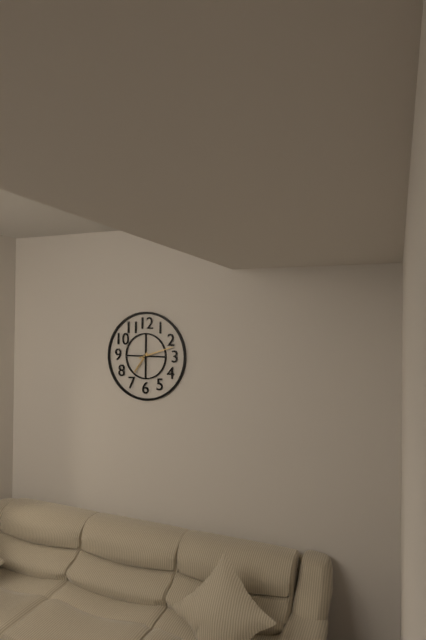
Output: **7:12**
